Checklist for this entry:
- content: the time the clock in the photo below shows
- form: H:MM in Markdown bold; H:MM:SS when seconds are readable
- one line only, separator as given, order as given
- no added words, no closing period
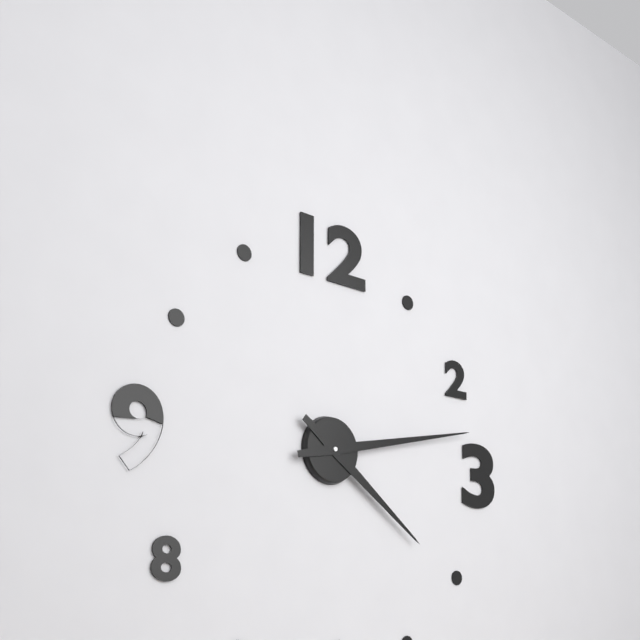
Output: **4:13**
